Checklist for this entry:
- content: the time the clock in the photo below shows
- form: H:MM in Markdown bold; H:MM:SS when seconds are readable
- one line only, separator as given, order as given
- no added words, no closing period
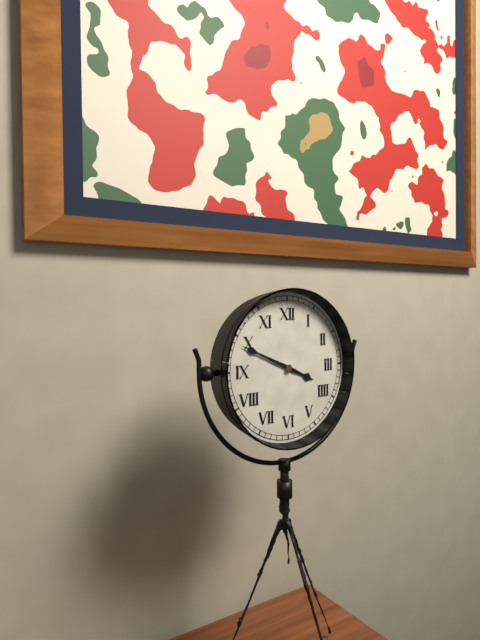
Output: **3:49**
